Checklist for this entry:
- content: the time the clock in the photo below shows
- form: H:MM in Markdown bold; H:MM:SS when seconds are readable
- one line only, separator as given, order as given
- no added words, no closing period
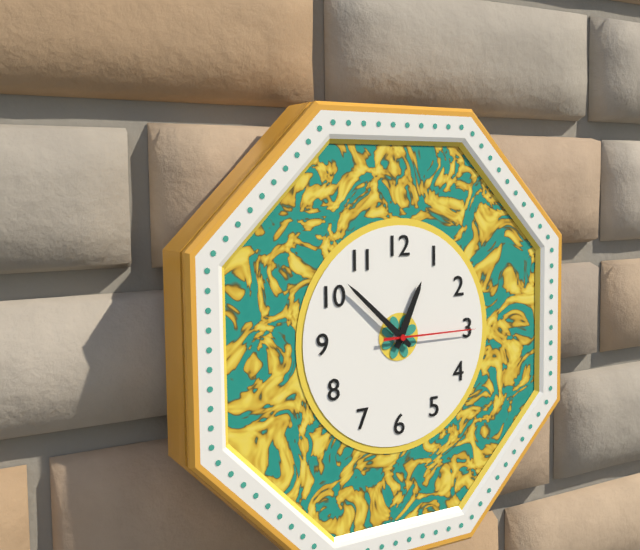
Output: **12:52:15**
